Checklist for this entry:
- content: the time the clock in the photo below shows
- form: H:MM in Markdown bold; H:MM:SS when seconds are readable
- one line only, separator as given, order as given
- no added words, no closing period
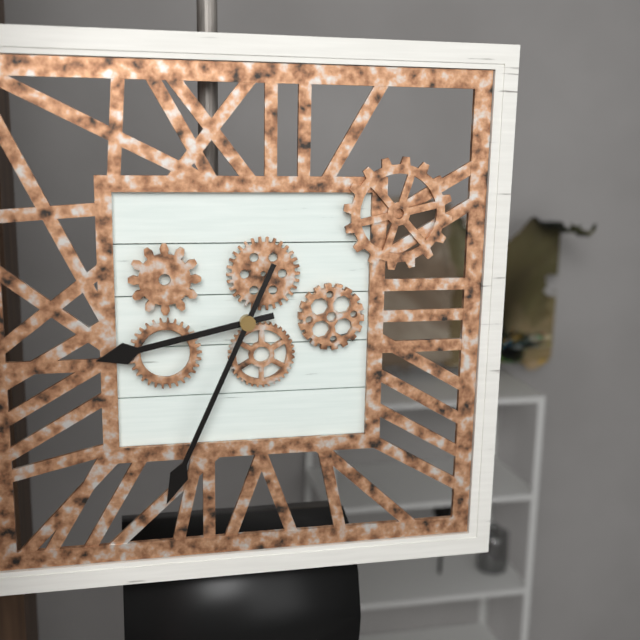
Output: **8:34**
